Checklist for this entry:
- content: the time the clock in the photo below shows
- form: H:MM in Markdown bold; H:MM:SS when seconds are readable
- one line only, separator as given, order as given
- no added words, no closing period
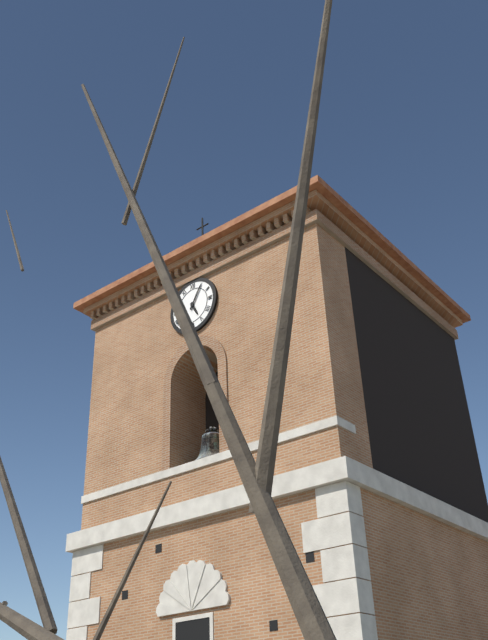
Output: **5:05**
